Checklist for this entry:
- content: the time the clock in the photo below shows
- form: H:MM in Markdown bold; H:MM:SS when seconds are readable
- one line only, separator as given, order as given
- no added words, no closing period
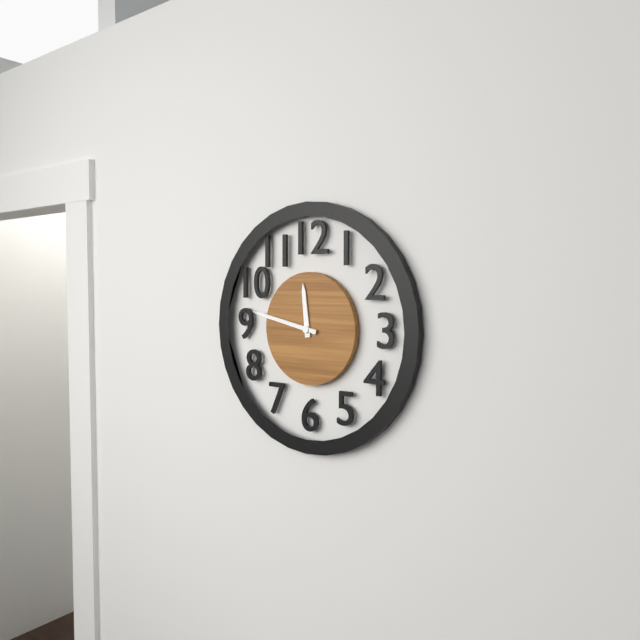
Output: **11:47**
